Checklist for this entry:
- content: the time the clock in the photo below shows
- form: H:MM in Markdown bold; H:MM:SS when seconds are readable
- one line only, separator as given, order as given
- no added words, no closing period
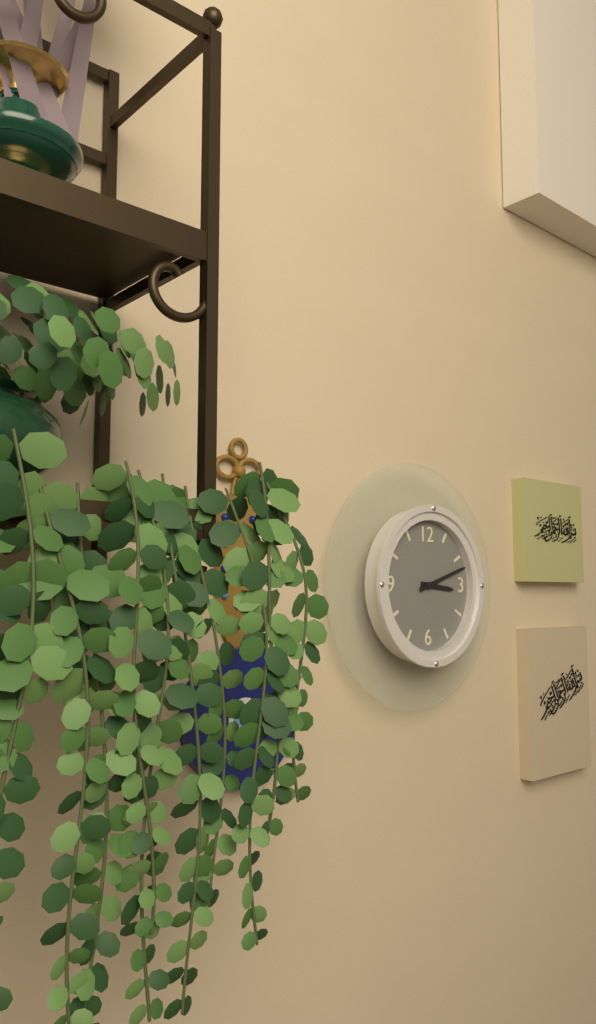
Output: **3:12**
